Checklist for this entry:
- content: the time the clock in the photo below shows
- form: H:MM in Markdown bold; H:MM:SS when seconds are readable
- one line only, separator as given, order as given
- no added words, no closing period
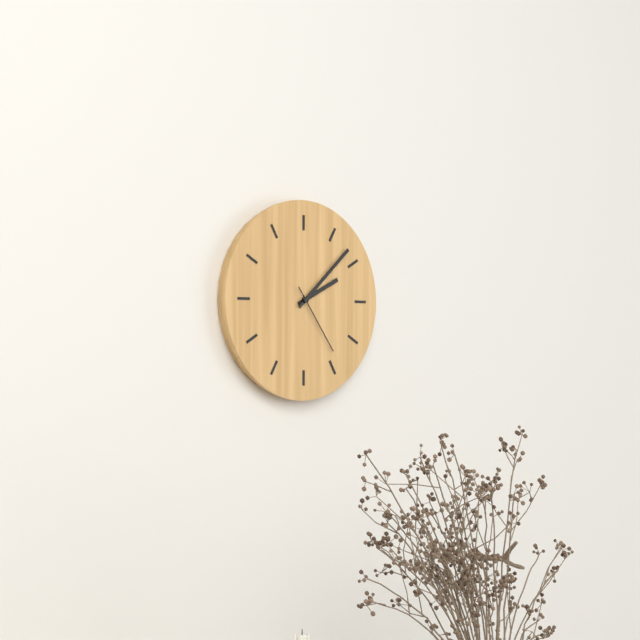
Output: **2:08:24**
